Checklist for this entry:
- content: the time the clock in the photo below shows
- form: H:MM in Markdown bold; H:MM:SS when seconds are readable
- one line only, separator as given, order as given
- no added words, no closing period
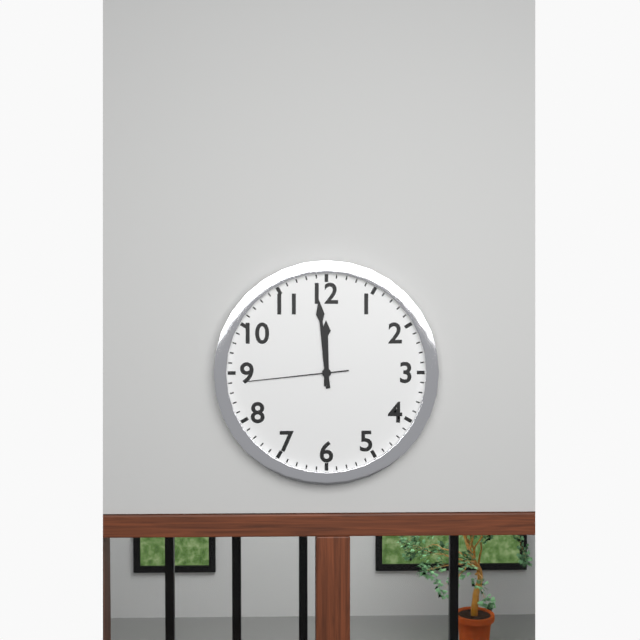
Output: **11:59:44**
